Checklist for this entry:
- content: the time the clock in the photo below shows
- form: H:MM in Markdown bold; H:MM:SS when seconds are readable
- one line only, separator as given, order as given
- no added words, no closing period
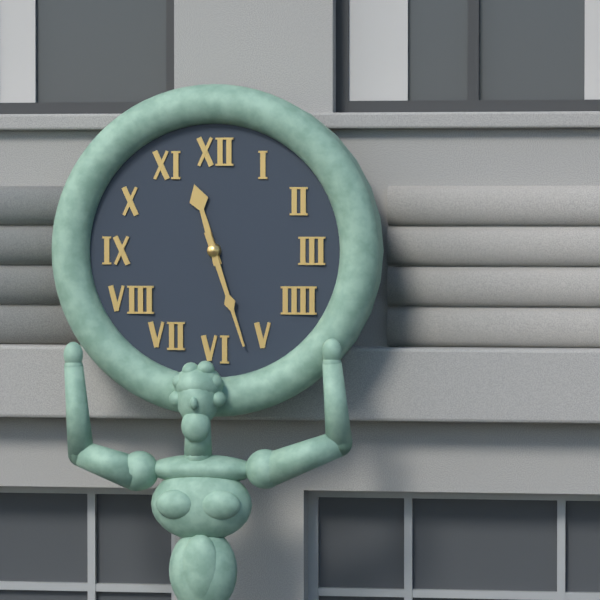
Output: **11:27**
